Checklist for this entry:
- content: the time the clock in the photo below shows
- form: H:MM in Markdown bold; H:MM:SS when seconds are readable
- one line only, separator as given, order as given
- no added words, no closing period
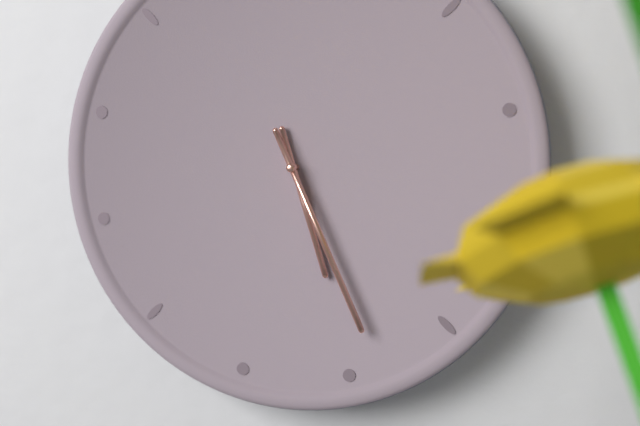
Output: **5:26**
